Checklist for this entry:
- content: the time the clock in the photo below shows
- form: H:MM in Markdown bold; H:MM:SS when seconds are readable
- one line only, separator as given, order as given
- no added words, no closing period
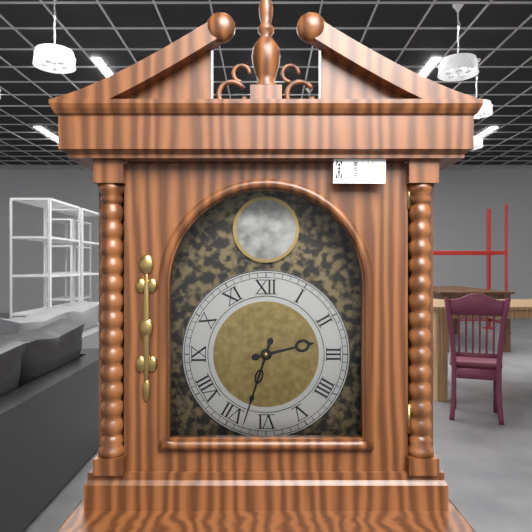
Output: **2:33**
